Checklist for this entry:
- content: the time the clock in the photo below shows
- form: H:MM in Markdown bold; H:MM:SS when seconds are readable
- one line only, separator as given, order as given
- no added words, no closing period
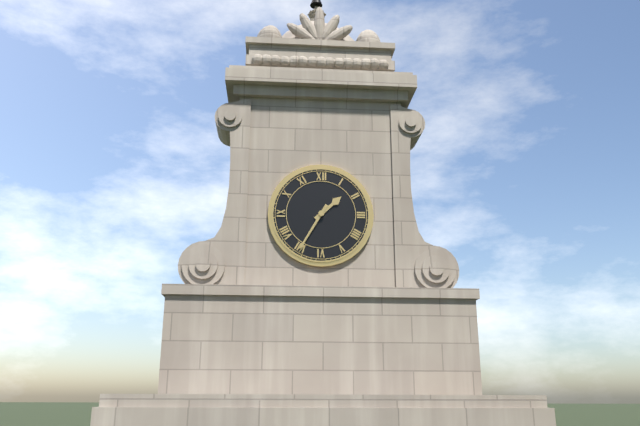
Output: **1:35**
